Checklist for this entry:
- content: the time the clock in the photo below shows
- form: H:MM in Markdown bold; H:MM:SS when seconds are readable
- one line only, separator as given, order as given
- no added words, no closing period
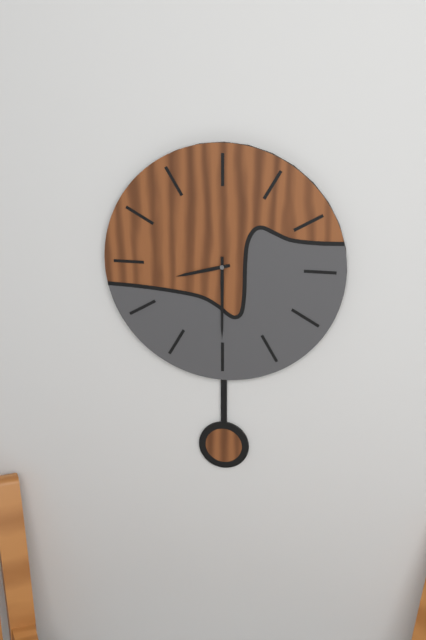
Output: **8:30**
